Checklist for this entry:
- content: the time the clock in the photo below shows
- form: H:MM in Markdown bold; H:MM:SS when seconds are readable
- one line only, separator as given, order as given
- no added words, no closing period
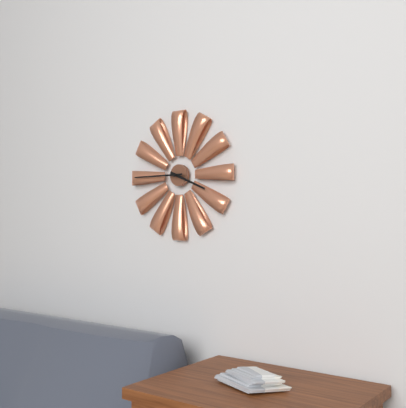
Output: **3:45**
